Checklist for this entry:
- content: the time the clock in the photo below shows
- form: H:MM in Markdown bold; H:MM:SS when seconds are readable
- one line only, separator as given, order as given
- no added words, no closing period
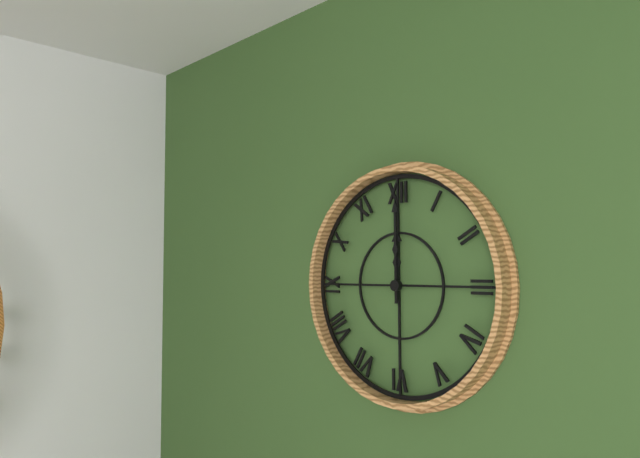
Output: **12:00**
